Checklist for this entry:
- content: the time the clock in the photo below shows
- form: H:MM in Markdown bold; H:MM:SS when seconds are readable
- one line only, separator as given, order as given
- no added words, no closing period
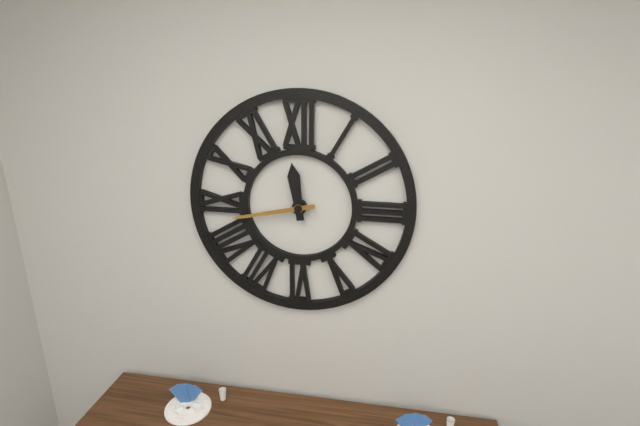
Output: **11:43**
